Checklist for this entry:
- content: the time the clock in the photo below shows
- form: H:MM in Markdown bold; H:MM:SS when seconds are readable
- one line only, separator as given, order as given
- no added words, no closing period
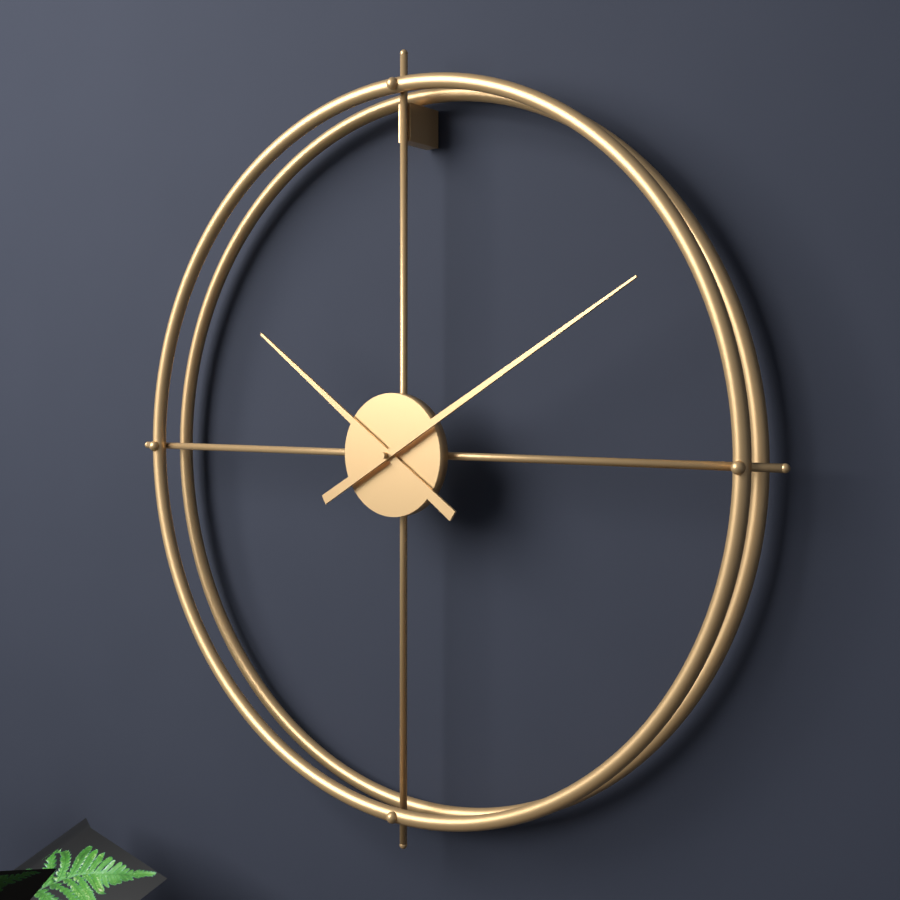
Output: **10:10**
